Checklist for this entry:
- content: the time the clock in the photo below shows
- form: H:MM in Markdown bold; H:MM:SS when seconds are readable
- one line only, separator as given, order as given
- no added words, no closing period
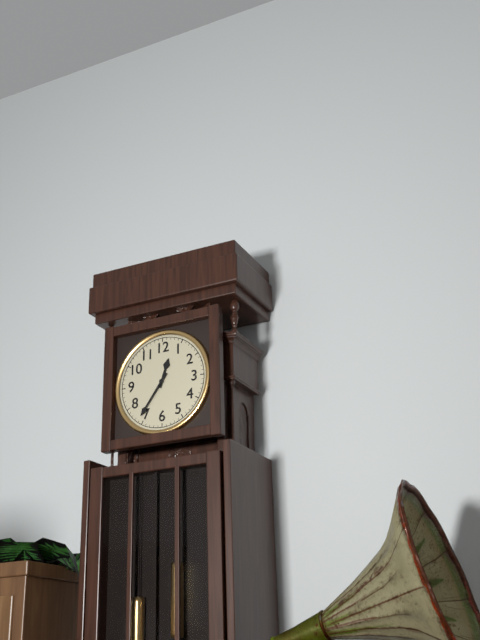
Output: **12:36**
